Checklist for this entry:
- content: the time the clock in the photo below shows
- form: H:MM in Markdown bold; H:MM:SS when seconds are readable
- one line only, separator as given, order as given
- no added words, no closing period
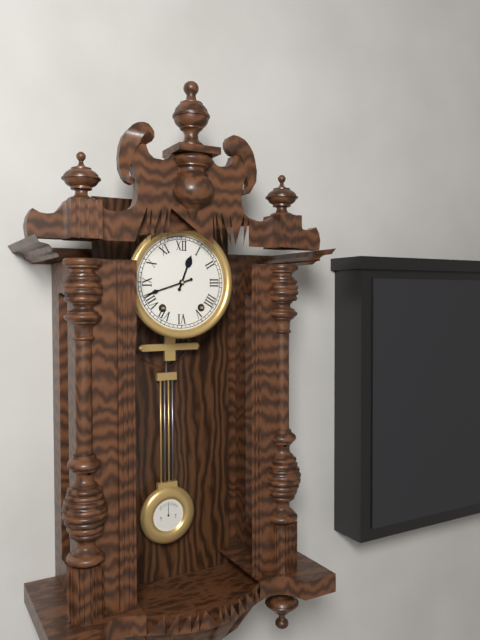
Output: **12:42**
